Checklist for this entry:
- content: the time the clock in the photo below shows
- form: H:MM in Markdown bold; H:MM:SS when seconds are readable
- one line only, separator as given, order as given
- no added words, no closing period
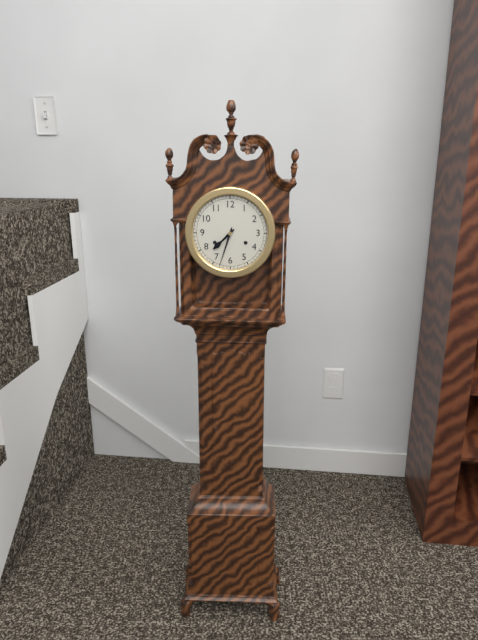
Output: **7:33**
